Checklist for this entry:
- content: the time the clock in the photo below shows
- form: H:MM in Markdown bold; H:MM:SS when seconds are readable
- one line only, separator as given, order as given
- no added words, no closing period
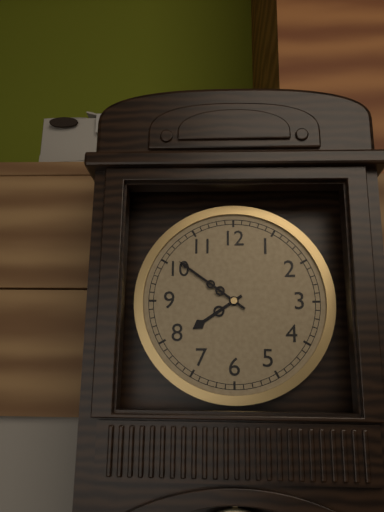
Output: **7:51**
